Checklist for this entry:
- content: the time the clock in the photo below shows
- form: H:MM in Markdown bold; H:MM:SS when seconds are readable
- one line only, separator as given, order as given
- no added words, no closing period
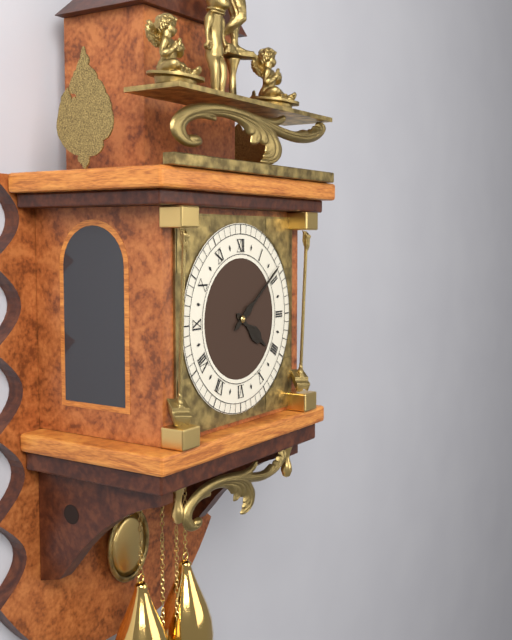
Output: **4:09**
